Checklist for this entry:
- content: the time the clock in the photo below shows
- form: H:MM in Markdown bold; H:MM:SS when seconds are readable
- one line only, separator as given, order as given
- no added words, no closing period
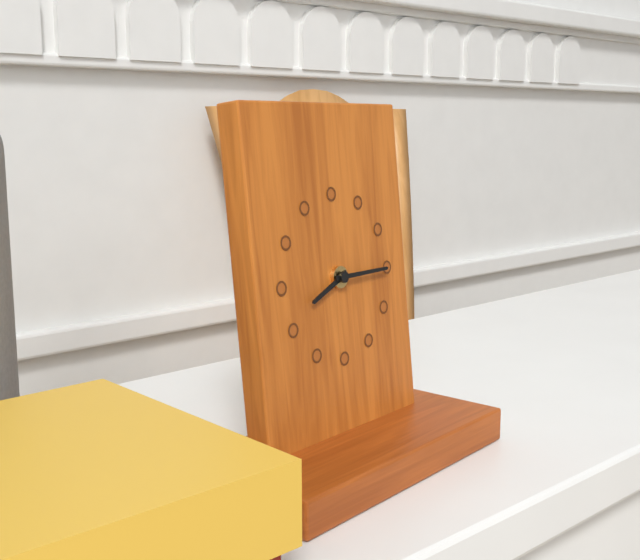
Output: **8:15**
